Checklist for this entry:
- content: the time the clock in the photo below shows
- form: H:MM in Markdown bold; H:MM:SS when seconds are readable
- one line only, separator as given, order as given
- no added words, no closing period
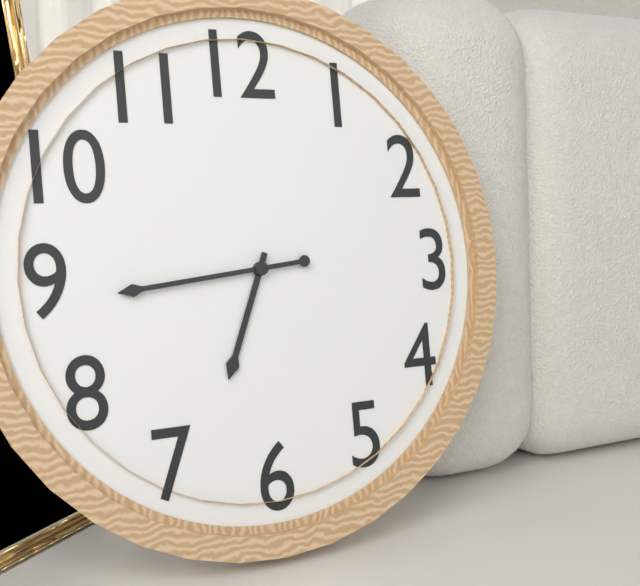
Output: **6:44**
